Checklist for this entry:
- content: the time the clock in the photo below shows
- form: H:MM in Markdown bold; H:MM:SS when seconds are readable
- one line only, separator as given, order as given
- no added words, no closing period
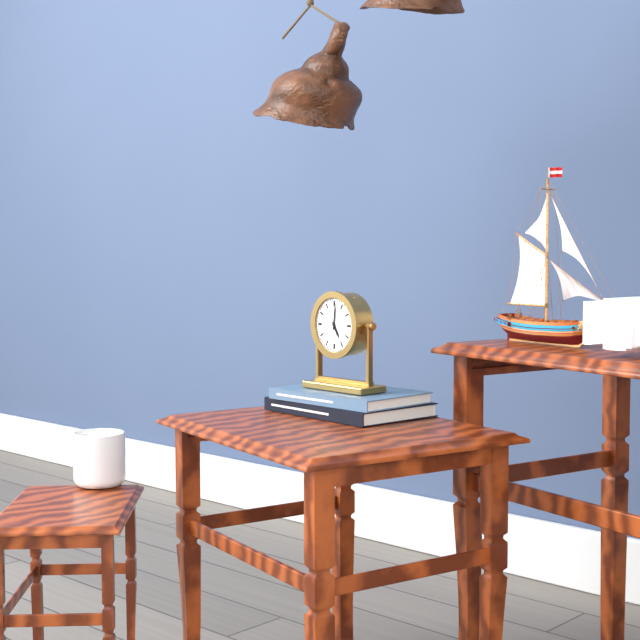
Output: **5:01**
